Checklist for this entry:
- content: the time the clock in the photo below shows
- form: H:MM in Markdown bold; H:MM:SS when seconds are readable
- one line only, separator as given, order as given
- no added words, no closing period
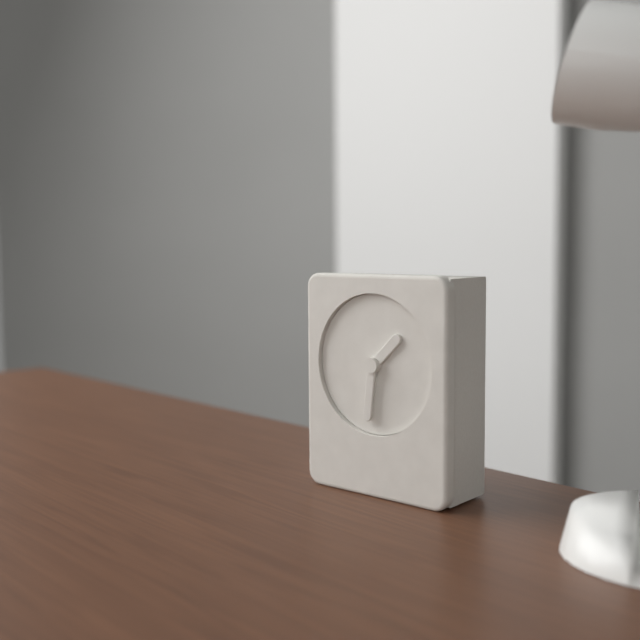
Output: **1:31**
